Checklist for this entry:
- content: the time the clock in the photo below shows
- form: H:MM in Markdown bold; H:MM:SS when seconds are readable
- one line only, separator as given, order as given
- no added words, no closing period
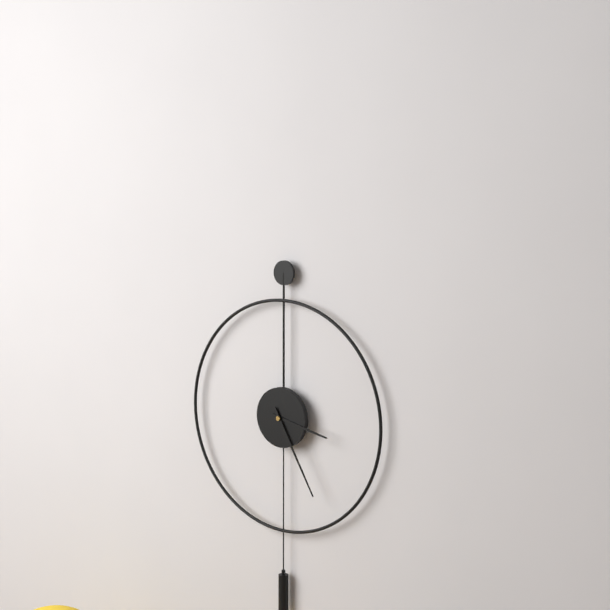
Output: **3:25**
